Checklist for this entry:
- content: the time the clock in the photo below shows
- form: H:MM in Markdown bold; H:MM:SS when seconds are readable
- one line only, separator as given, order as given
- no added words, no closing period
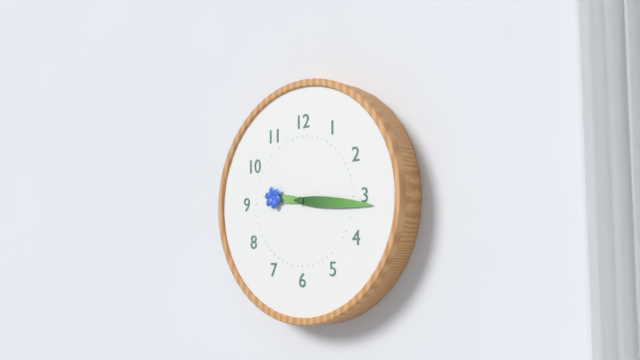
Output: **9:16**
